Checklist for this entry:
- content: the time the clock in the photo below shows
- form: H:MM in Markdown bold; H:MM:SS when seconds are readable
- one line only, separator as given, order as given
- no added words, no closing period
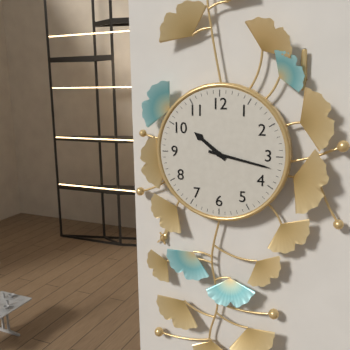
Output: **10:17**
